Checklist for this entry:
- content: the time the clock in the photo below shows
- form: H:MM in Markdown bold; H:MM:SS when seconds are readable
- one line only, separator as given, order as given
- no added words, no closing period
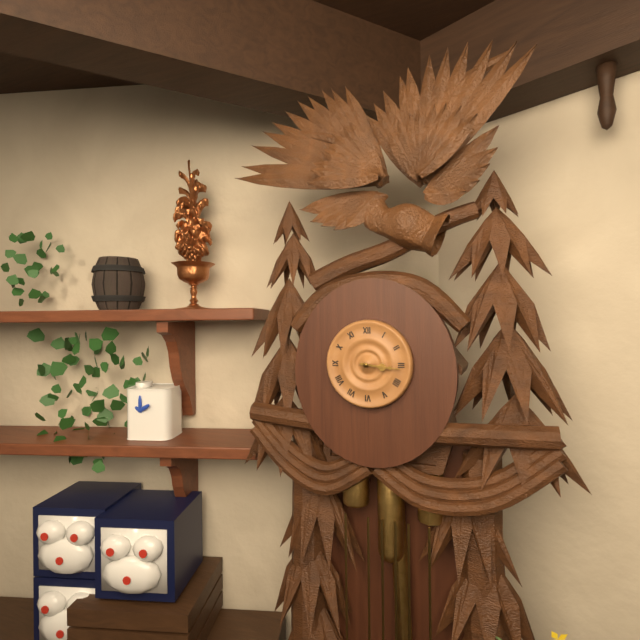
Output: **3:16**
